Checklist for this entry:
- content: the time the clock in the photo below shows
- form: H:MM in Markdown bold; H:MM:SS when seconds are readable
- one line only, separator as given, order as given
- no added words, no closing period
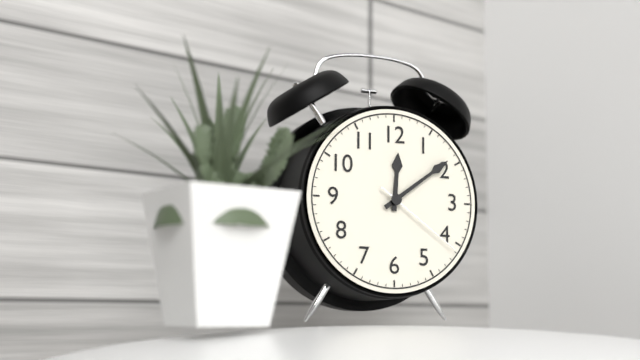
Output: **12:09:21**
